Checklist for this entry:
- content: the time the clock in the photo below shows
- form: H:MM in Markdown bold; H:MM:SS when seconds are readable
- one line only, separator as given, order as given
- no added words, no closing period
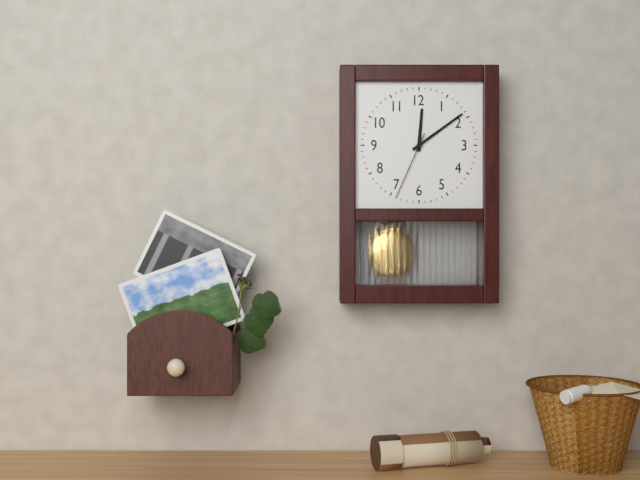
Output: **12:09:34**
